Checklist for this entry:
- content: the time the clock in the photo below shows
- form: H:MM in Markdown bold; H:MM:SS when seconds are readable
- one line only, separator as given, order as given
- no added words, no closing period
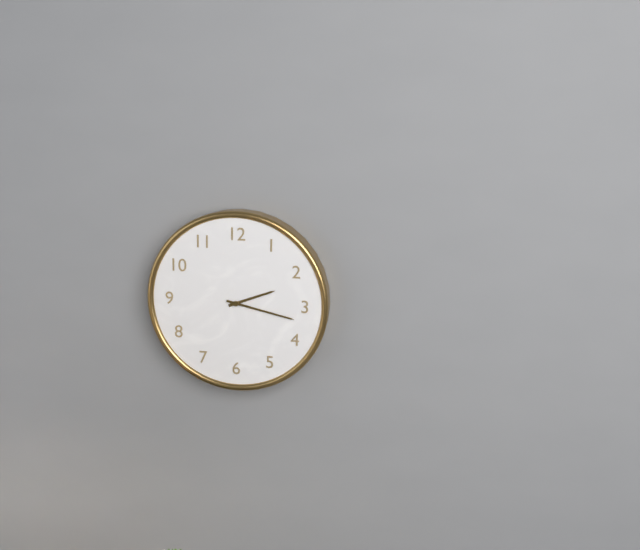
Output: **2:17**
